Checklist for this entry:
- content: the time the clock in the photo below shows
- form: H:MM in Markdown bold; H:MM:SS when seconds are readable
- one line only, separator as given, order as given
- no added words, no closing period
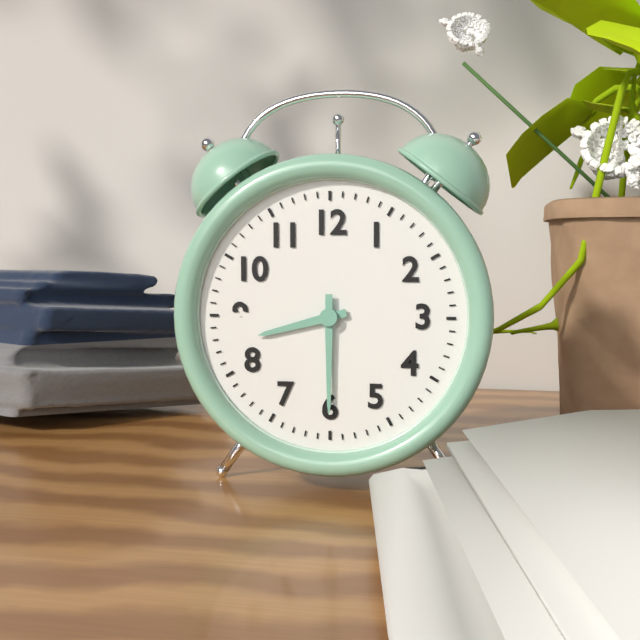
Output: **8:30**
